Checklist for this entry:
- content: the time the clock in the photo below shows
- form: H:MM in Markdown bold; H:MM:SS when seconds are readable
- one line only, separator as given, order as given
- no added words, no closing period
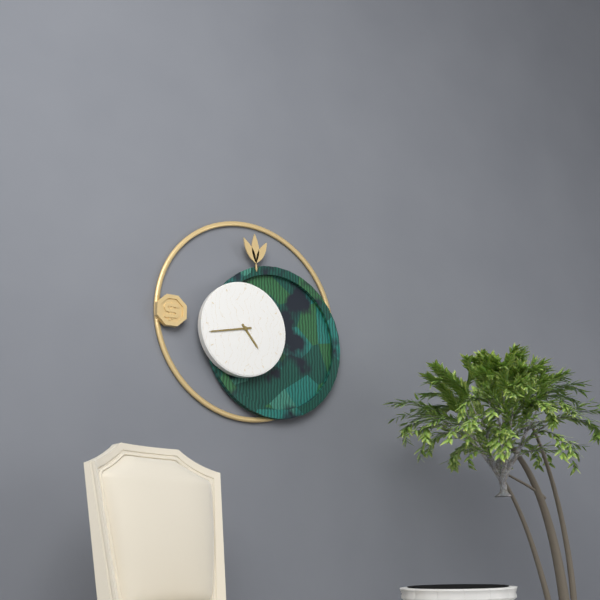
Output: **4:43**
